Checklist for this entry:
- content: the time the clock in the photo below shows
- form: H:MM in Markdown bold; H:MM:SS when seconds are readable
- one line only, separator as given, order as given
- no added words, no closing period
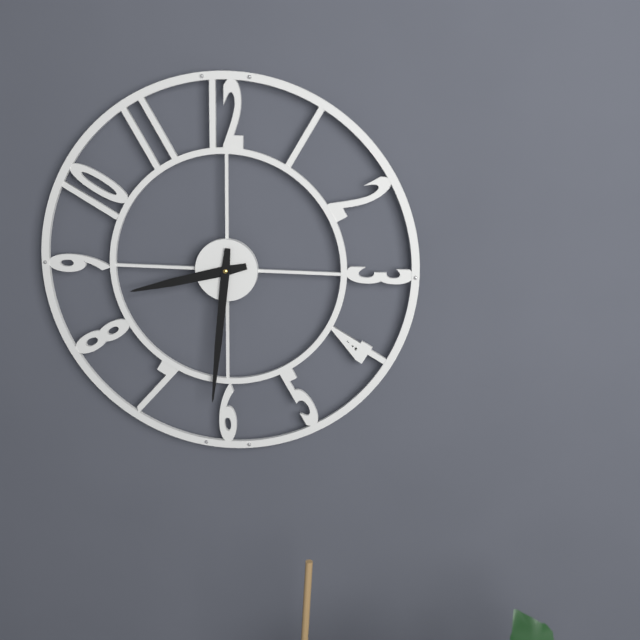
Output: **8:31**
